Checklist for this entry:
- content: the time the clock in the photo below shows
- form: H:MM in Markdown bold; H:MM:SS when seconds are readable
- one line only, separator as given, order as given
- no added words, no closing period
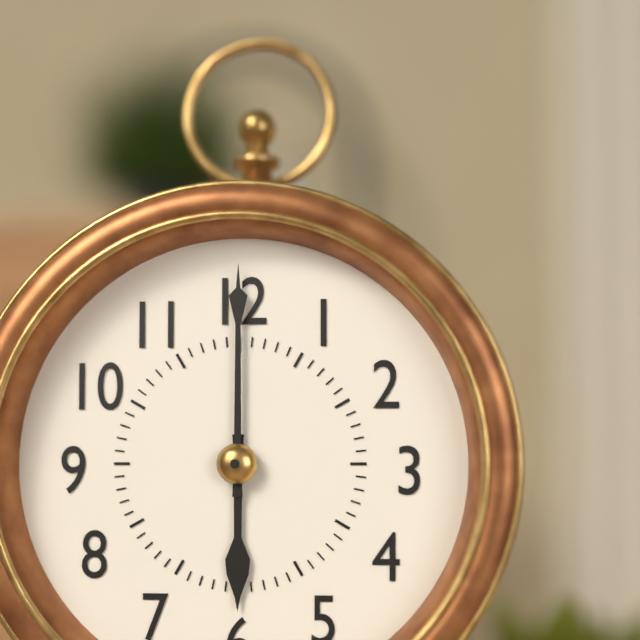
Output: **6:00**
